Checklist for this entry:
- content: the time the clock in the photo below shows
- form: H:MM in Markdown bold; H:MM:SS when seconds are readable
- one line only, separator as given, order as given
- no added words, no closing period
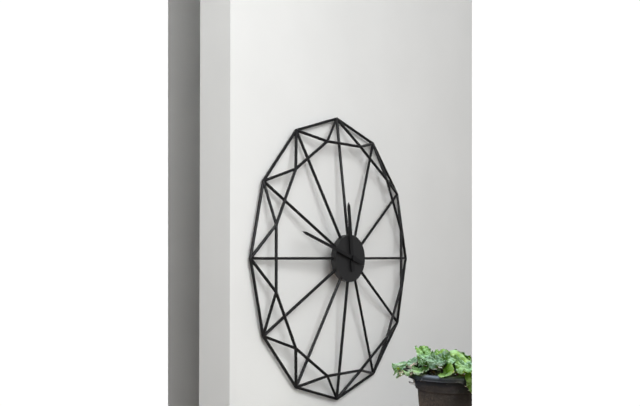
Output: **11:48**
